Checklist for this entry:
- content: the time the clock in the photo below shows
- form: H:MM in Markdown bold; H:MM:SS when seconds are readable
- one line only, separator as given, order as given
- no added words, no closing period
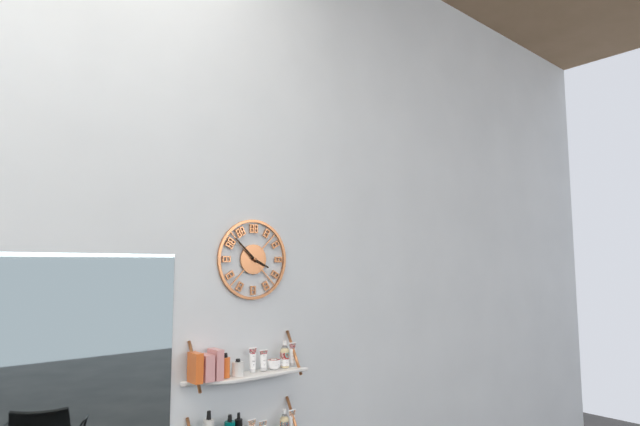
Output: **3:52**
